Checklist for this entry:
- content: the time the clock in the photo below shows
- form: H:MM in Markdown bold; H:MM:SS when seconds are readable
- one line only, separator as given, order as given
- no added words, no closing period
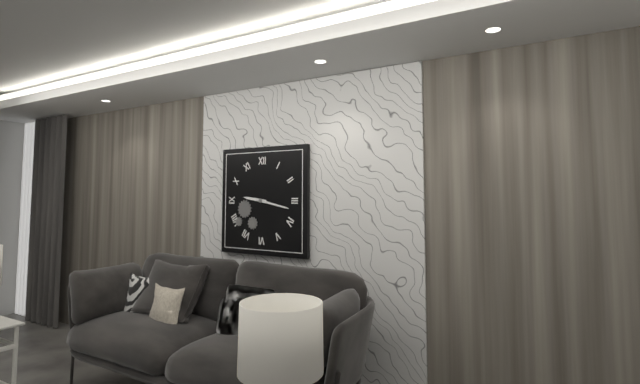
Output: **9:17**
